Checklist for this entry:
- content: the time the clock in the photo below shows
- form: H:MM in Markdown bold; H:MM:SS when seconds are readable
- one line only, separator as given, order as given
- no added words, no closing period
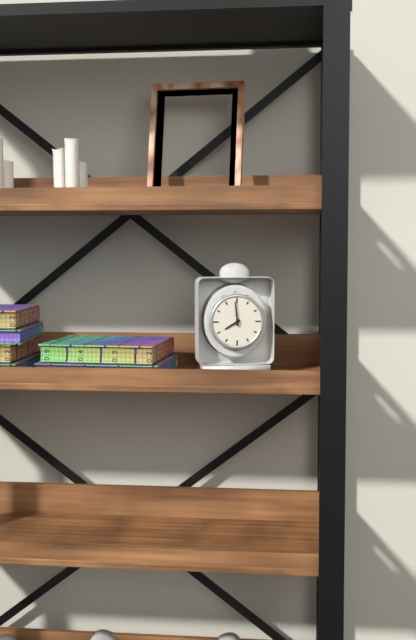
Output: **7:59**
